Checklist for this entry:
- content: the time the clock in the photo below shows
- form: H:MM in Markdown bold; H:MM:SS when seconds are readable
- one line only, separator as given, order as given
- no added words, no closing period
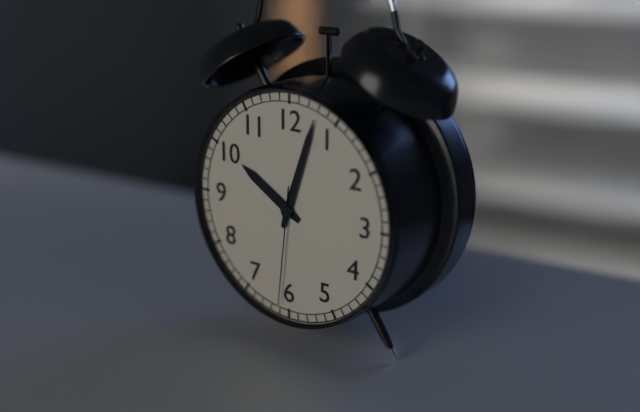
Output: **10:03:31**
